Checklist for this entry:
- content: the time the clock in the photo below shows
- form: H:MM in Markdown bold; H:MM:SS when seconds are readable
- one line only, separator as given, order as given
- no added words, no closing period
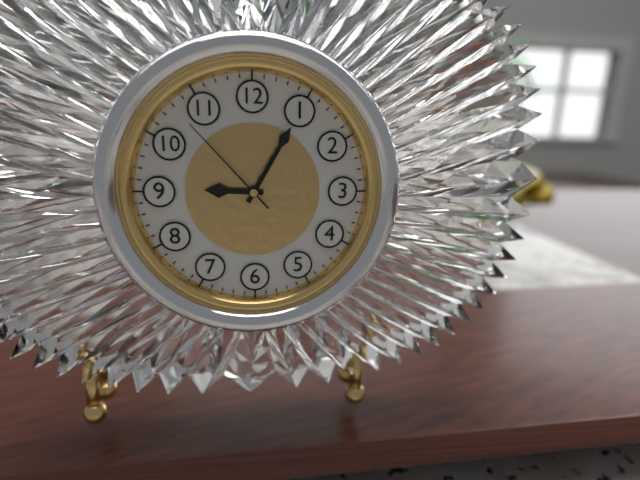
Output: **9:05:53**
